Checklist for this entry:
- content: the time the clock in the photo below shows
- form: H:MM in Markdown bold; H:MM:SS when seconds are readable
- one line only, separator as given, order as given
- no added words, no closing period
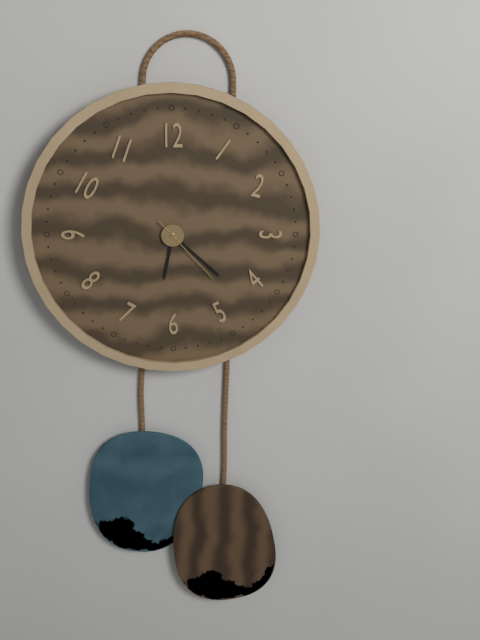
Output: **6:22:23**
